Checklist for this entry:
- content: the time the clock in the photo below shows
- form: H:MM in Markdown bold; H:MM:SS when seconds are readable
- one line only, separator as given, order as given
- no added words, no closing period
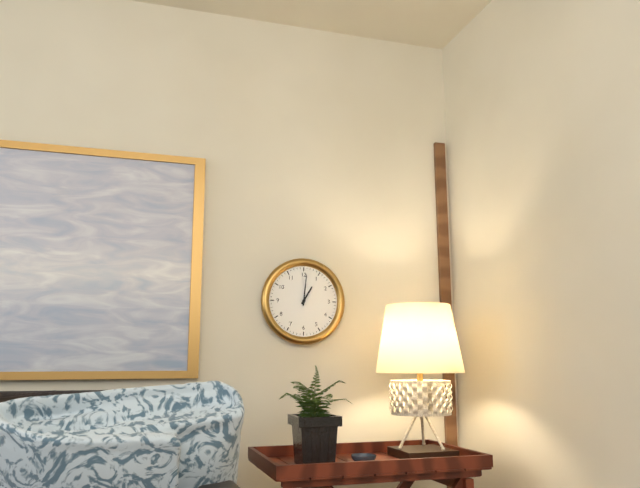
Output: **1:01**
